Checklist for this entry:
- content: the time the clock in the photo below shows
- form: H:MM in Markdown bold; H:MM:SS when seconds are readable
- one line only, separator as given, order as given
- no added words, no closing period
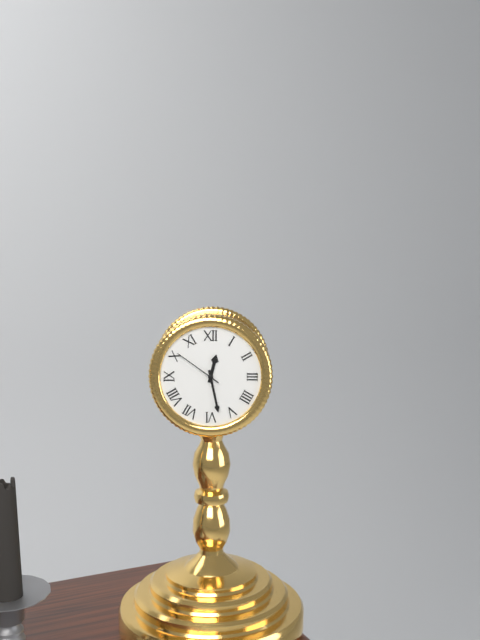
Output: **12:28**
